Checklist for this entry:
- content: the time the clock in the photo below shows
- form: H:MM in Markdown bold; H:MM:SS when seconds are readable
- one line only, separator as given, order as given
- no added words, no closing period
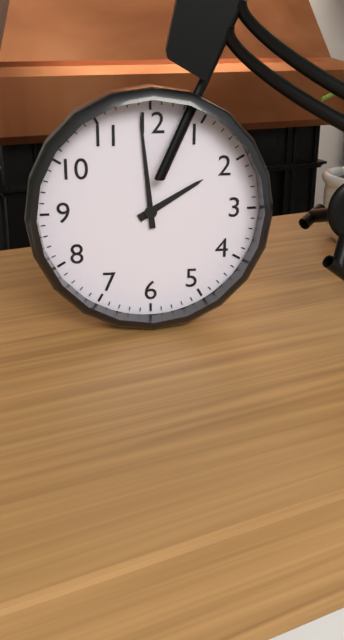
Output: **1:59**
